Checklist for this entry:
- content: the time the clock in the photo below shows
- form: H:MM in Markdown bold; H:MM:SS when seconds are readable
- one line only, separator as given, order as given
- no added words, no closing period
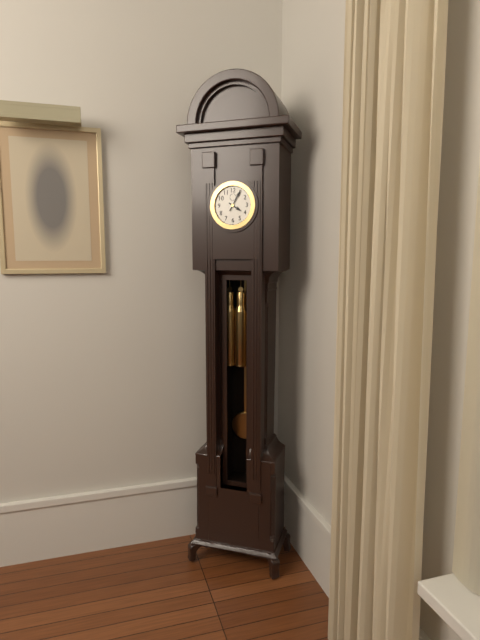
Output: **4:05**
